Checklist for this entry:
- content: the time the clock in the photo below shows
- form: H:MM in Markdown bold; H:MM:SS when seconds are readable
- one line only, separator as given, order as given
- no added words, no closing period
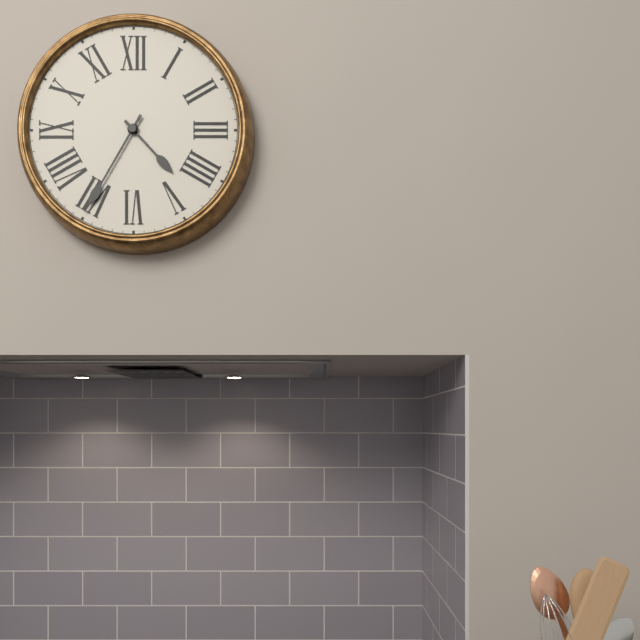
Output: **4:35**
